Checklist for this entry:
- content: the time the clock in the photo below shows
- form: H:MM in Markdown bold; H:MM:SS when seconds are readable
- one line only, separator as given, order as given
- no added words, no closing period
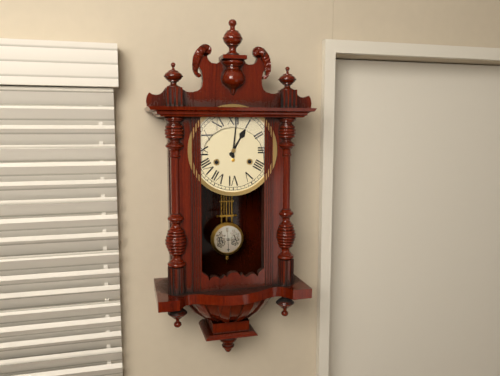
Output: **1:01**
